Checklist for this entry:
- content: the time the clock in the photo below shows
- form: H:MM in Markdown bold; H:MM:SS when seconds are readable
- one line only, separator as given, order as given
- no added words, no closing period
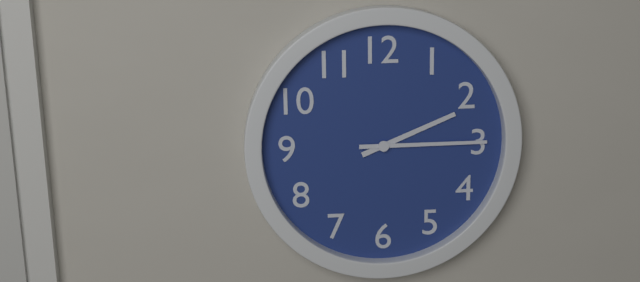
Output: **2:15**
